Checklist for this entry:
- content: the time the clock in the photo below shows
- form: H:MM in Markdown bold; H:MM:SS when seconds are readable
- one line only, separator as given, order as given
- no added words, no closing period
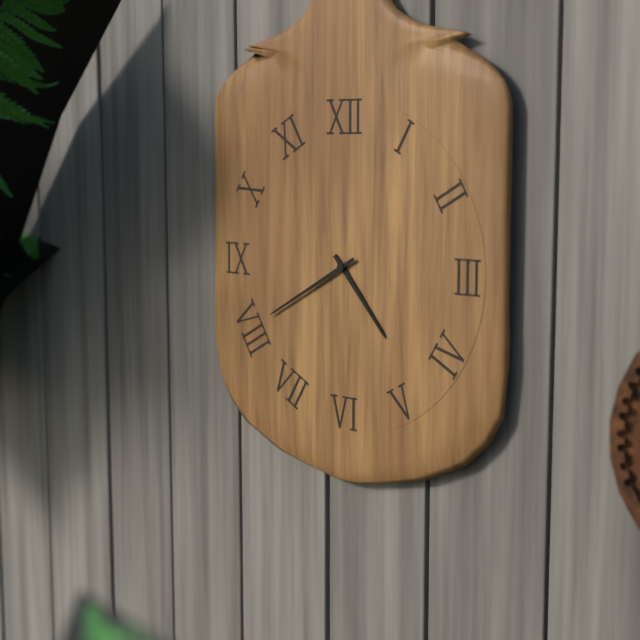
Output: **4:40**
